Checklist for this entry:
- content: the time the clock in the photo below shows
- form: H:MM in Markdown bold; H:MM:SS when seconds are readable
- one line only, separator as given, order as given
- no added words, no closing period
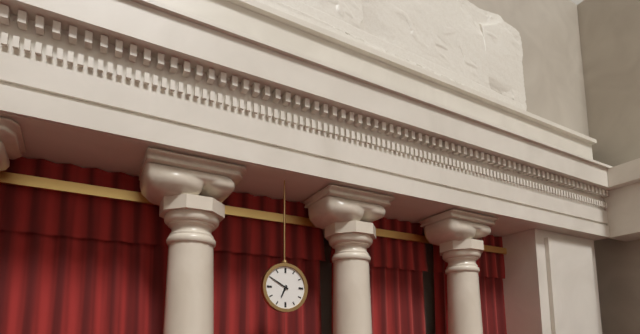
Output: **6:50**
